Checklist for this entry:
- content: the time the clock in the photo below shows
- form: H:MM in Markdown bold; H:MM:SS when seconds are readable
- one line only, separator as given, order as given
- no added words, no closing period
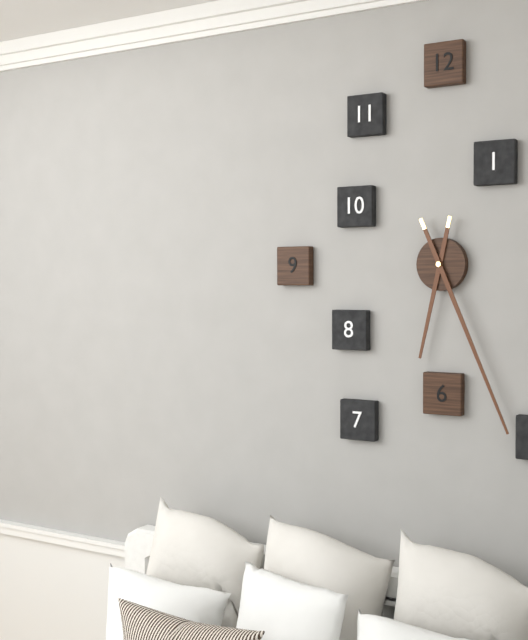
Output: **6:26**
